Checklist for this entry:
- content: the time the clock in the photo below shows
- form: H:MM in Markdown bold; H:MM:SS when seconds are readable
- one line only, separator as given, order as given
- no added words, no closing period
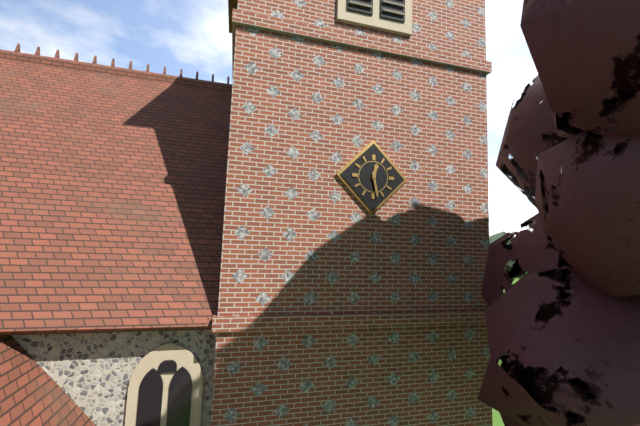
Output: **12:28**
